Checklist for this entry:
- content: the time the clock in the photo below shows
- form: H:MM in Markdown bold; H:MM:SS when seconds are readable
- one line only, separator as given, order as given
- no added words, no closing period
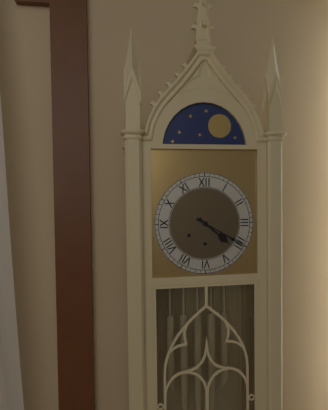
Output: **4:20**
